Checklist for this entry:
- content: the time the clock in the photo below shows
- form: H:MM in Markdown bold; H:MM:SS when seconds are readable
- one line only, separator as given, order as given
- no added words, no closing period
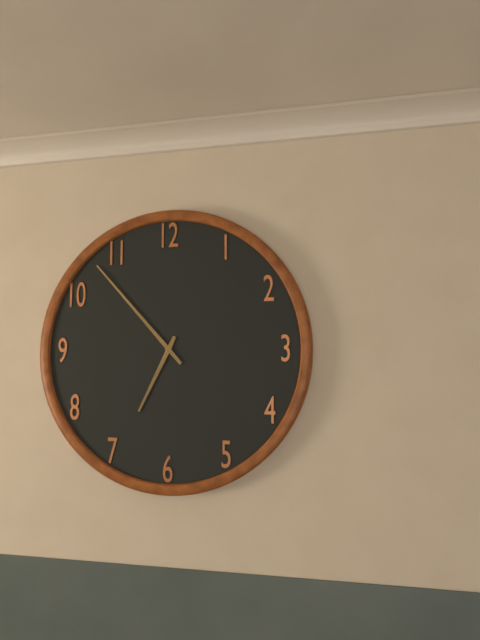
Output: **6:53**
